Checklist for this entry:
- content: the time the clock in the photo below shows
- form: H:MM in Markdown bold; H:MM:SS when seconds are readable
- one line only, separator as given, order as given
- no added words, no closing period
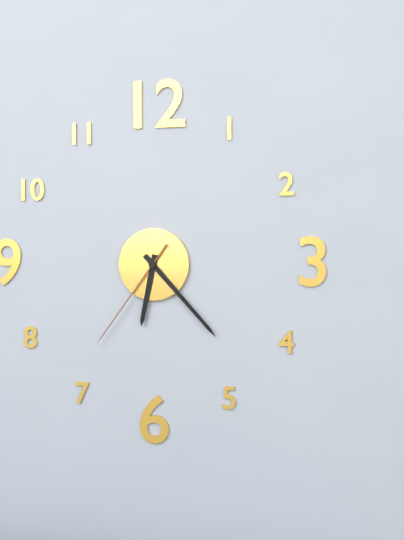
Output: **6:23:36**
